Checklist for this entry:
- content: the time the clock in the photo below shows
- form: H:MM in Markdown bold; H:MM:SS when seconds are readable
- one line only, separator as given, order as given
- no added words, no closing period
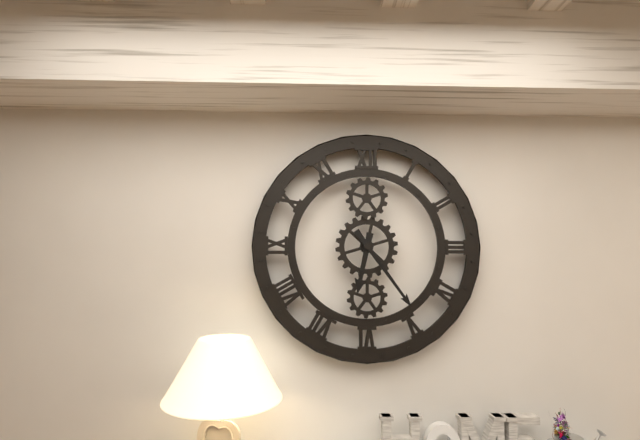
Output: **6:24**
